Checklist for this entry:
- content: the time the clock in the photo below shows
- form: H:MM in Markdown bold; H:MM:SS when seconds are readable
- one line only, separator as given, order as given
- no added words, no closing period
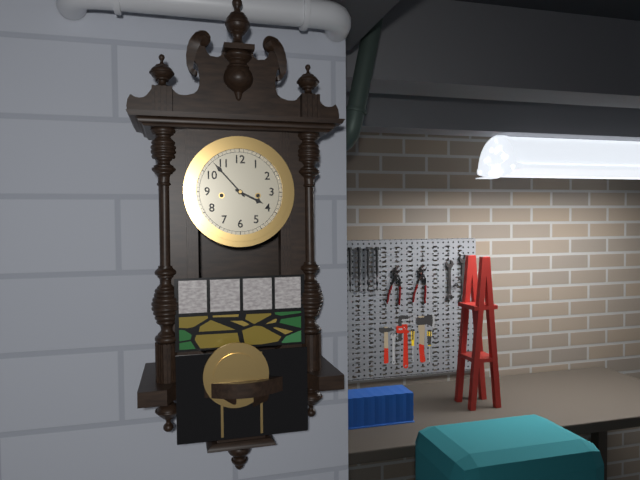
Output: **3:53**
